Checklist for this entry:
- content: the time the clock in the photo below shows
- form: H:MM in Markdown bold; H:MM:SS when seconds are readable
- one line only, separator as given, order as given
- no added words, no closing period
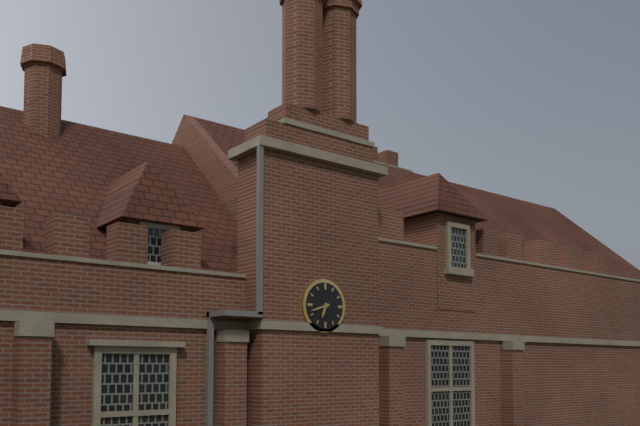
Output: **6:42**
